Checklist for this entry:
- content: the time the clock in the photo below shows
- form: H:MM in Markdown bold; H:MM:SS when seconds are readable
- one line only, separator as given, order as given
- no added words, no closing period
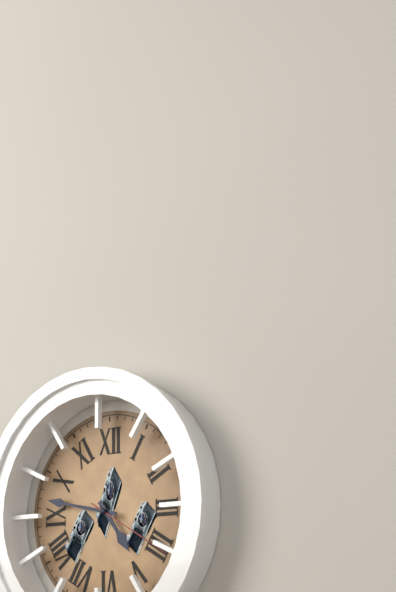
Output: **4:47:20**
